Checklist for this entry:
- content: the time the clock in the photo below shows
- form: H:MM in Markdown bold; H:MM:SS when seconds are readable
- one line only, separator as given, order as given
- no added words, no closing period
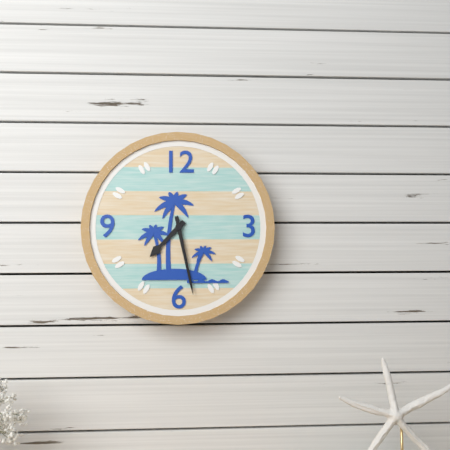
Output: **7:28**
